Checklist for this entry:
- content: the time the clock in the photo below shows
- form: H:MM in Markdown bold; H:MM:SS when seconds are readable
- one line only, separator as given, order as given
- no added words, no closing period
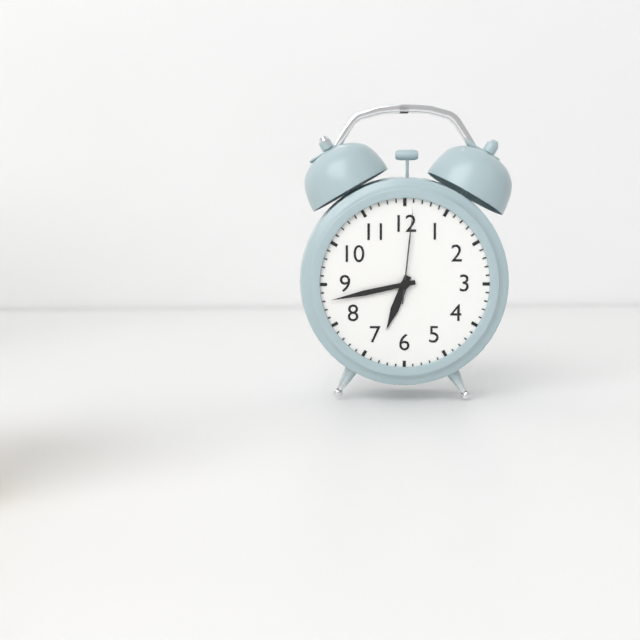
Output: **6:43:01**
